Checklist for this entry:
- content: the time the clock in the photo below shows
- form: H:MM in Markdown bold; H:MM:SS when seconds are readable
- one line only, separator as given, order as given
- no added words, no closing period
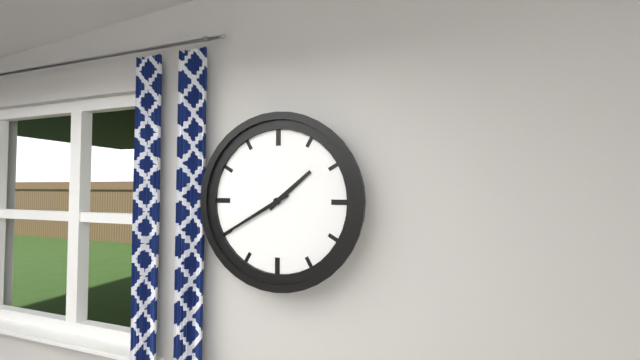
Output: **1:40**
